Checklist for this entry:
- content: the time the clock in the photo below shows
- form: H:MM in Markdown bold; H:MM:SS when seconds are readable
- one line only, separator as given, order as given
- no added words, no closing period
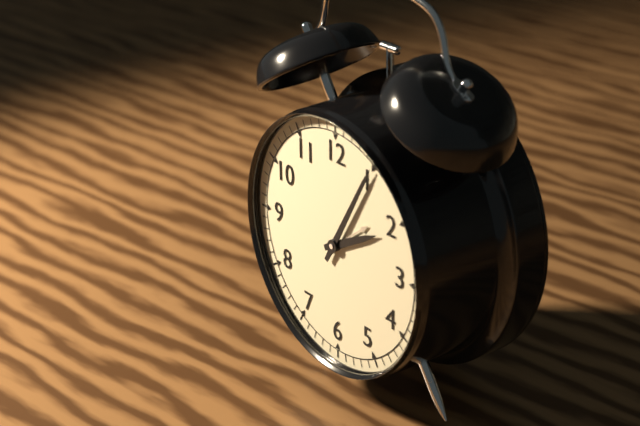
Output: **2:05**
